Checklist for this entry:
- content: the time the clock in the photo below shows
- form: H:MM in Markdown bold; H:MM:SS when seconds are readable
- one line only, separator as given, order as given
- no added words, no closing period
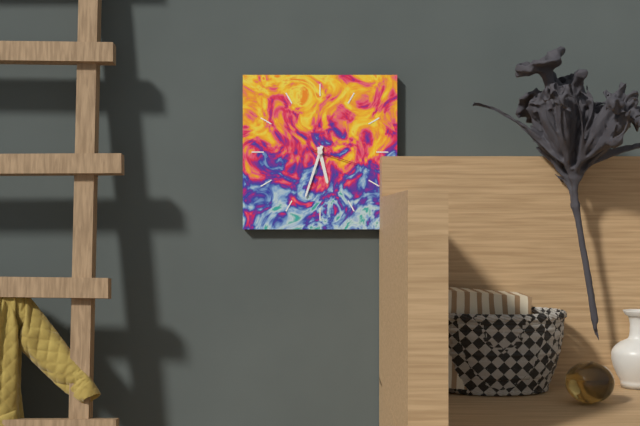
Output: **5:33**
